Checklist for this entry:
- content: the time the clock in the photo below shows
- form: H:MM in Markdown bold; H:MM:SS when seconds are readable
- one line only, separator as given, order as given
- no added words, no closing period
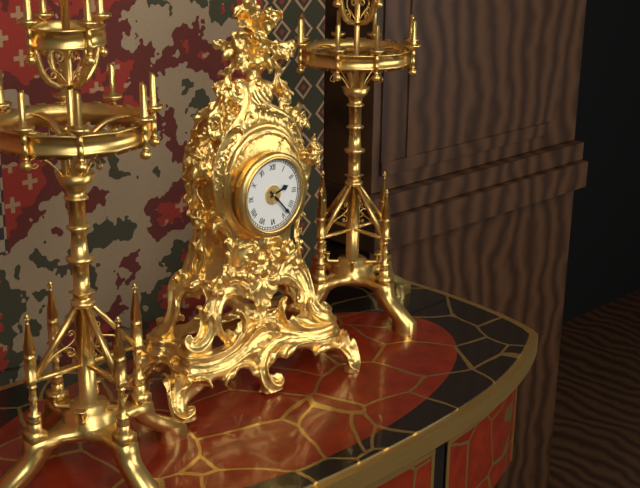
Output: **2:23**
